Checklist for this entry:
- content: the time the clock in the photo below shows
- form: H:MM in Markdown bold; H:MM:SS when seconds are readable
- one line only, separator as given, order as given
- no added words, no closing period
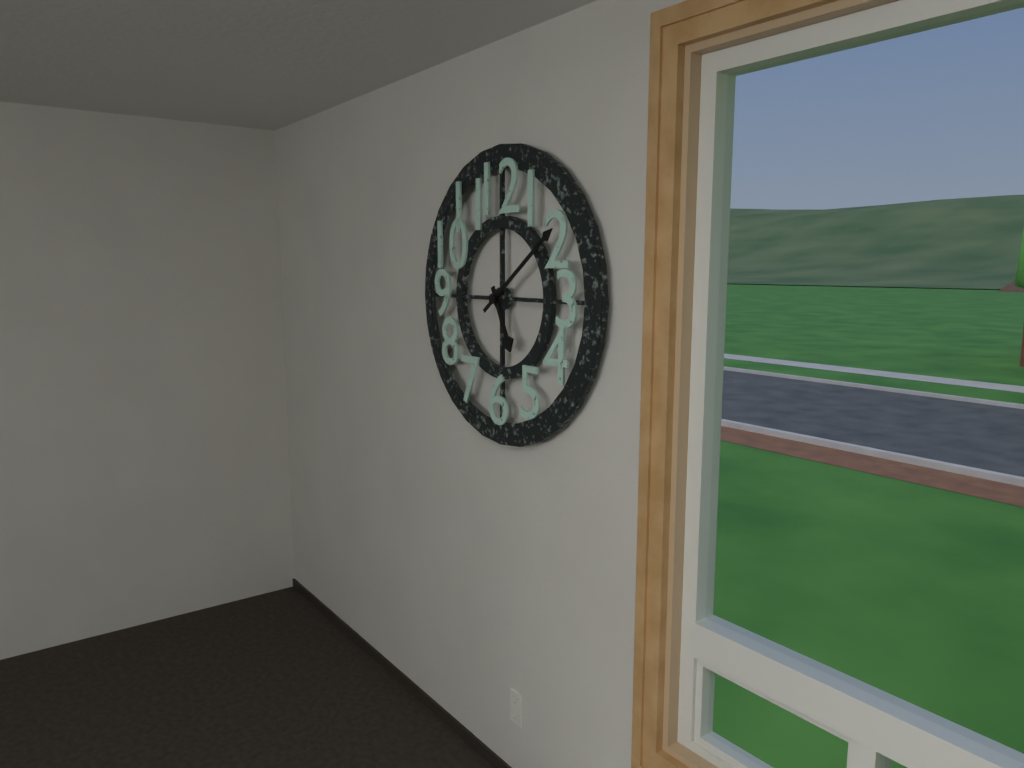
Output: **5:09**
